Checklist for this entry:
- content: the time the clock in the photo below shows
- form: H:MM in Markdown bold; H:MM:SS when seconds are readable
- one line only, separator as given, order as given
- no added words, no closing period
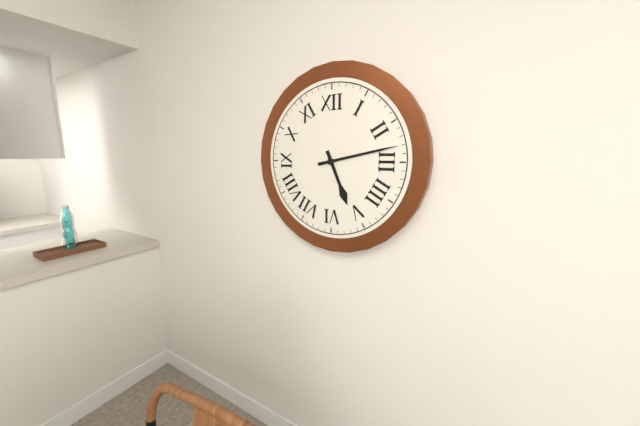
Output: **5:13**
